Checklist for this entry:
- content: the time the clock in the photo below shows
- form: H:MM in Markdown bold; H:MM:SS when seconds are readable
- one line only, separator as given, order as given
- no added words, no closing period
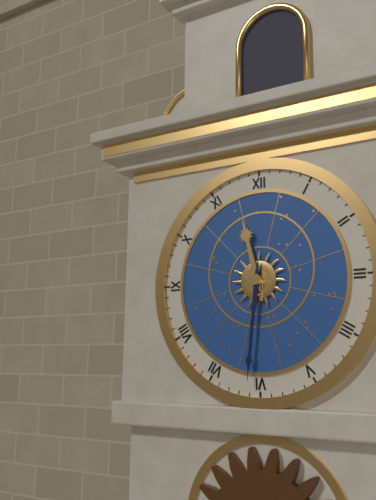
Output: **11:31**
